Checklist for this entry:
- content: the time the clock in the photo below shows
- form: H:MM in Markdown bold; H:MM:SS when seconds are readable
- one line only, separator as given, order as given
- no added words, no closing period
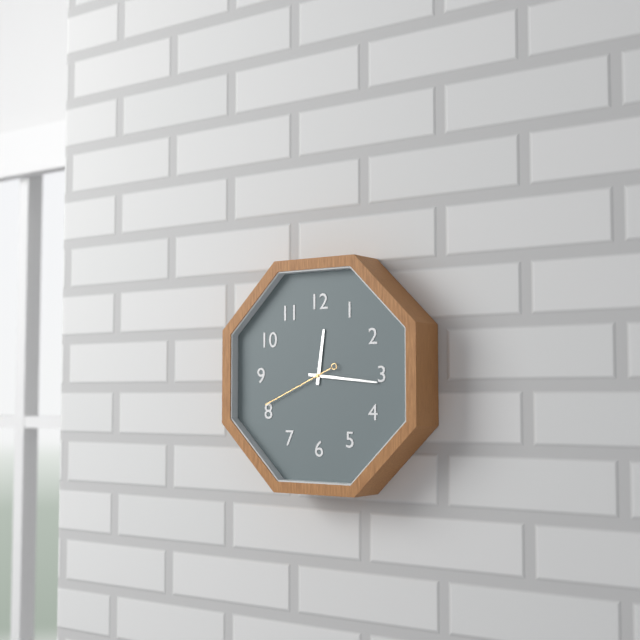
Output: **12:16:41**
